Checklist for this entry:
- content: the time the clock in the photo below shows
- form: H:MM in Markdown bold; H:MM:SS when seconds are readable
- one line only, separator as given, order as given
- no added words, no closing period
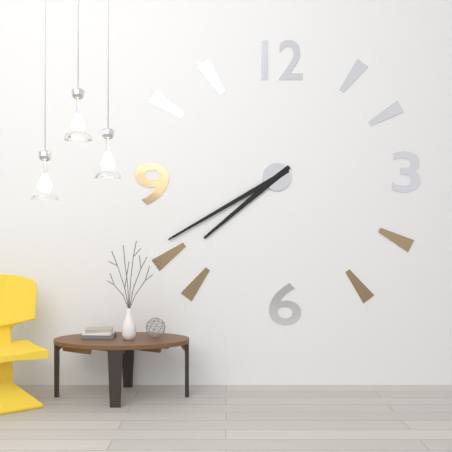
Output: **7:40**
